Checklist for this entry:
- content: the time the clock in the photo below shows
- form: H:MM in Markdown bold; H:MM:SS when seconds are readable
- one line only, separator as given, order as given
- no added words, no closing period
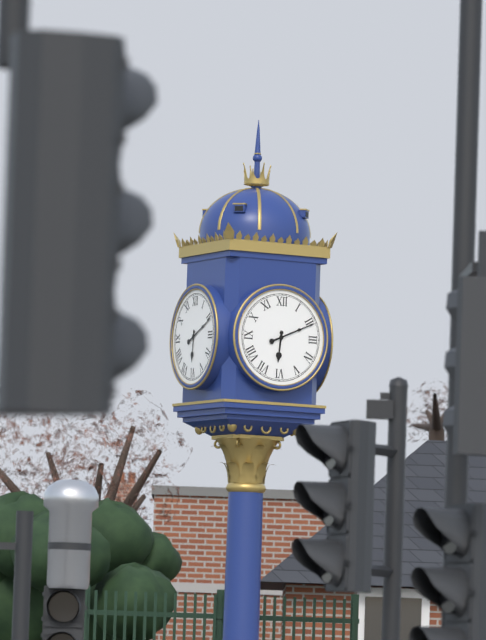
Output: **6:11**
